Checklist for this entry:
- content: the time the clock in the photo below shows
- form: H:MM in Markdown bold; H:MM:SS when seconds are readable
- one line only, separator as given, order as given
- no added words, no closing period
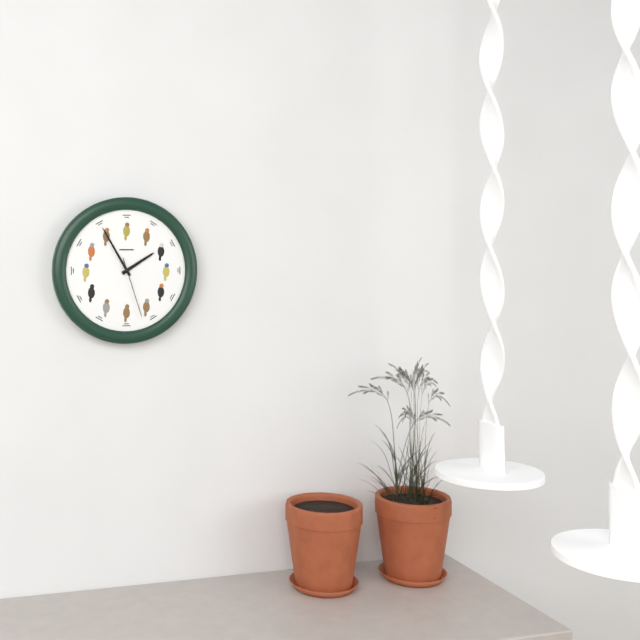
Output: **1:55:27**
